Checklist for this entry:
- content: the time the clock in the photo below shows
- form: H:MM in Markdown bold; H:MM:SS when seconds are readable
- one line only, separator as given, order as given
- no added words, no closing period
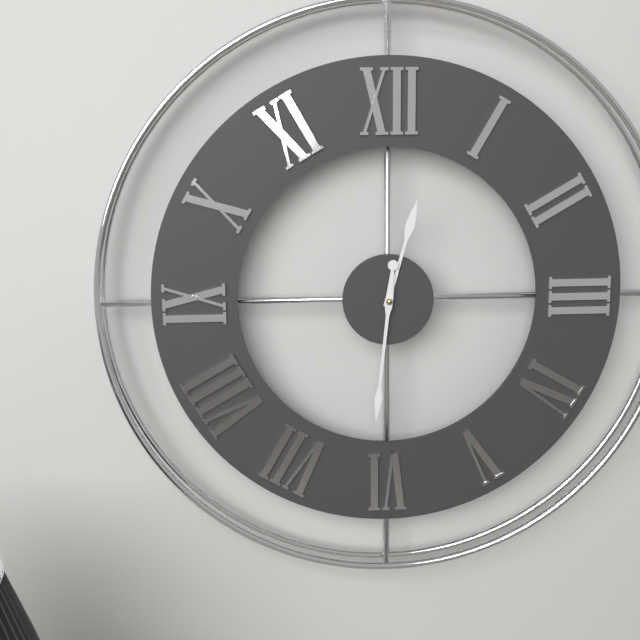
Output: **12:31**
